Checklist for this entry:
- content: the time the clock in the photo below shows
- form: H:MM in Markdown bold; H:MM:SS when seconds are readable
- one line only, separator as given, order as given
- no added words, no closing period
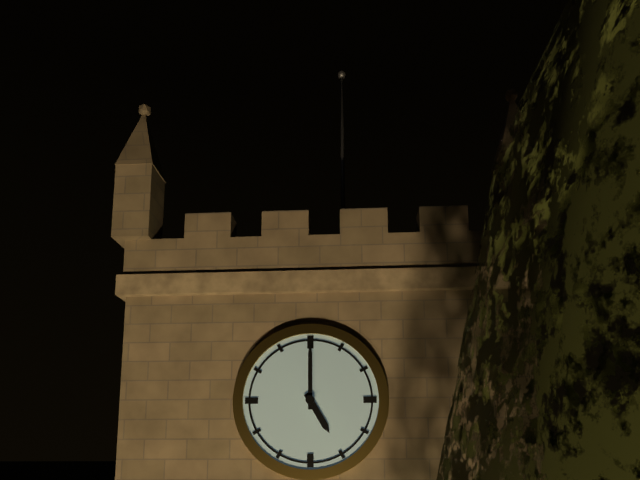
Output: **5:00**
